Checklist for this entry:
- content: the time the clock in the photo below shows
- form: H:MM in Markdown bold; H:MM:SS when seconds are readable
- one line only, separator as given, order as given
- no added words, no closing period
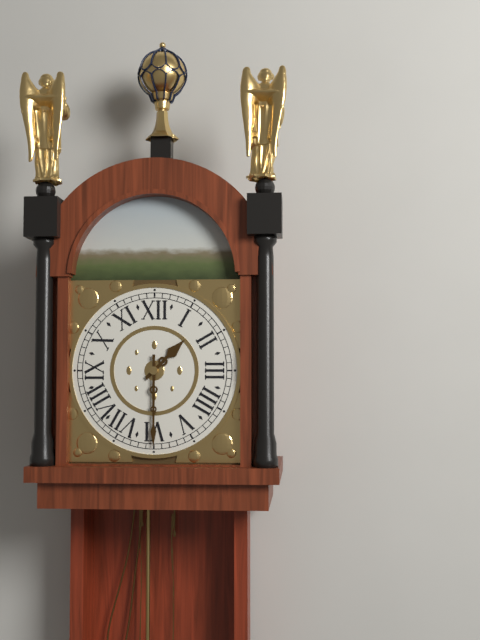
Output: **1:30**
